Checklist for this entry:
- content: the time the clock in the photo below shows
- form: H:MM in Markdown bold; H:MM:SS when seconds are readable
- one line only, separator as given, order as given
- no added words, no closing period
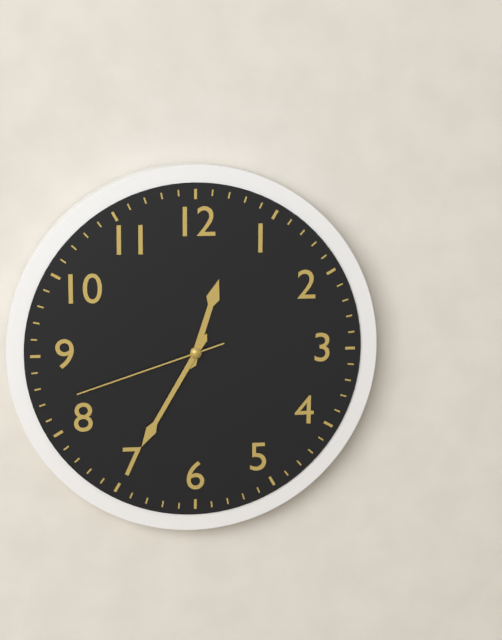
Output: **12:35:42**
